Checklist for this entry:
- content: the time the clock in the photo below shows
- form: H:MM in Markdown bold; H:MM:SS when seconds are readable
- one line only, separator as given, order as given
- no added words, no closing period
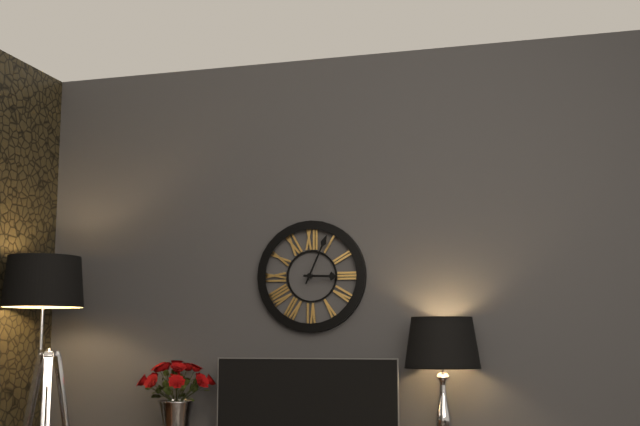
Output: **3:04**
